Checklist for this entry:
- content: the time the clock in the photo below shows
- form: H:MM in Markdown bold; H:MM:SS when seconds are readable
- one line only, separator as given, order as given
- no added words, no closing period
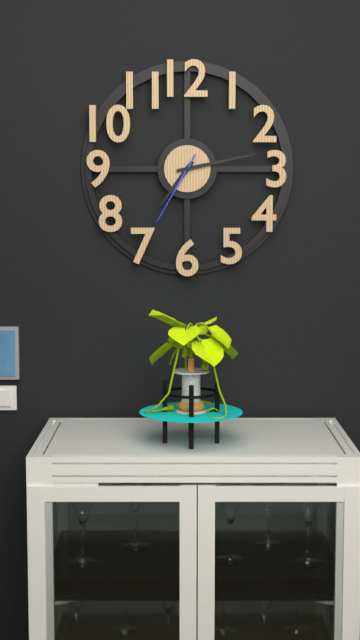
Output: **7:13:35**
